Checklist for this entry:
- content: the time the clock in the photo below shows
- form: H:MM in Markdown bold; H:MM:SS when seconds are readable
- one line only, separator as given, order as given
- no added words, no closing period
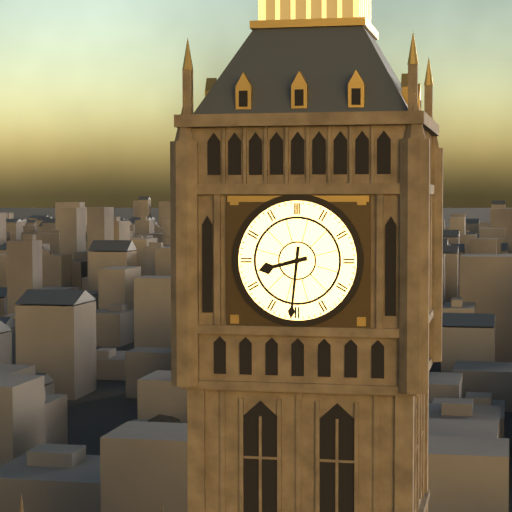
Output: **8:31**
